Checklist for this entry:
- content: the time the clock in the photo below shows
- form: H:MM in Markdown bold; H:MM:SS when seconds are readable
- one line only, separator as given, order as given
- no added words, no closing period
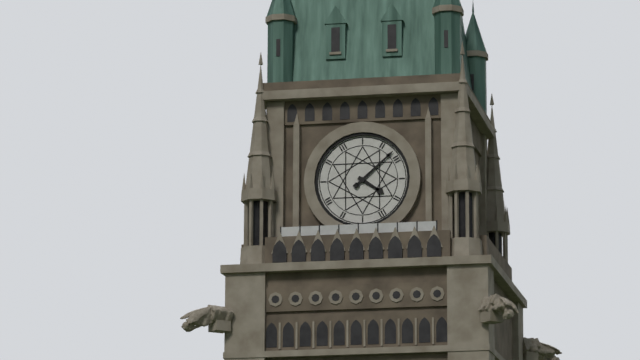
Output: **4:08**
